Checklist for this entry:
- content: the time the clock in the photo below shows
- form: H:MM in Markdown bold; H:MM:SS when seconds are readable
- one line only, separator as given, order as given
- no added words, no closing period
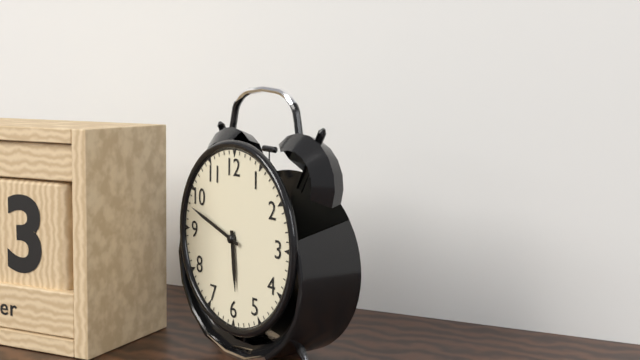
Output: **5:48**
